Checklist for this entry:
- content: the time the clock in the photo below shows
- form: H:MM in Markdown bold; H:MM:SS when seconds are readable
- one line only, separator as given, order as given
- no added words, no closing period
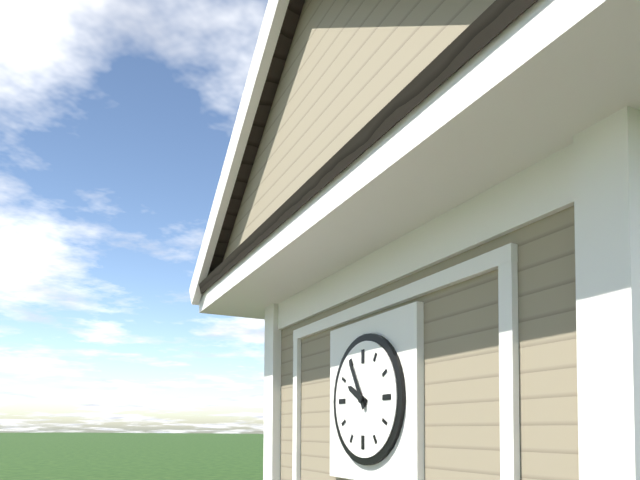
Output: **9:55**
